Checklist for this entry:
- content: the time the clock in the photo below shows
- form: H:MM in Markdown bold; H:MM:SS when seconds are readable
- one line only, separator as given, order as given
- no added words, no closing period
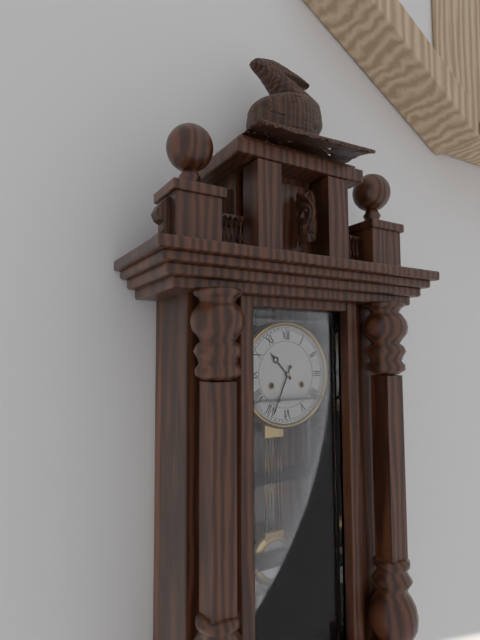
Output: **10:34**
